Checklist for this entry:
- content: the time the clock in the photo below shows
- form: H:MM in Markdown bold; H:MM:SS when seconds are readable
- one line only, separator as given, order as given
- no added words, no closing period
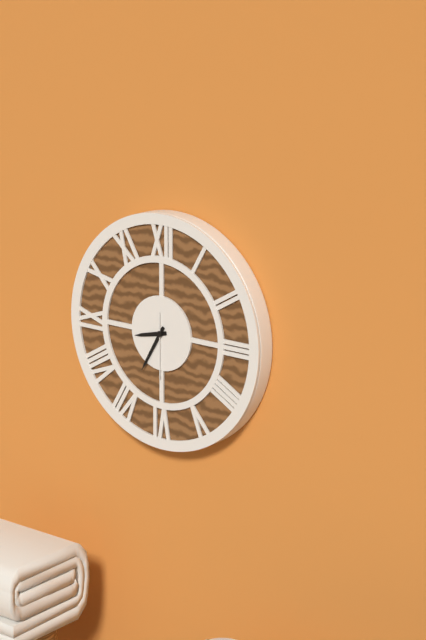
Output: **8:35:30**
